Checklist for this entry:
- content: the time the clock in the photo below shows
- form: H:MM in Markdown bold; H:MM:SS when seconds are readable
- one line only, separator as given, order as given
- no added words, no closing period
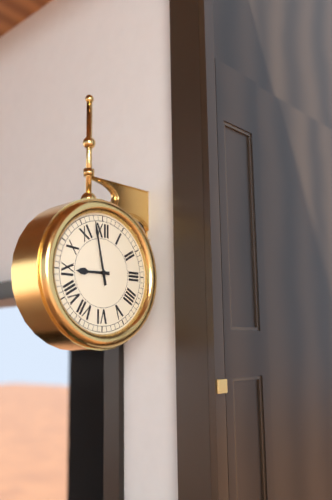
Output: **8:58**
